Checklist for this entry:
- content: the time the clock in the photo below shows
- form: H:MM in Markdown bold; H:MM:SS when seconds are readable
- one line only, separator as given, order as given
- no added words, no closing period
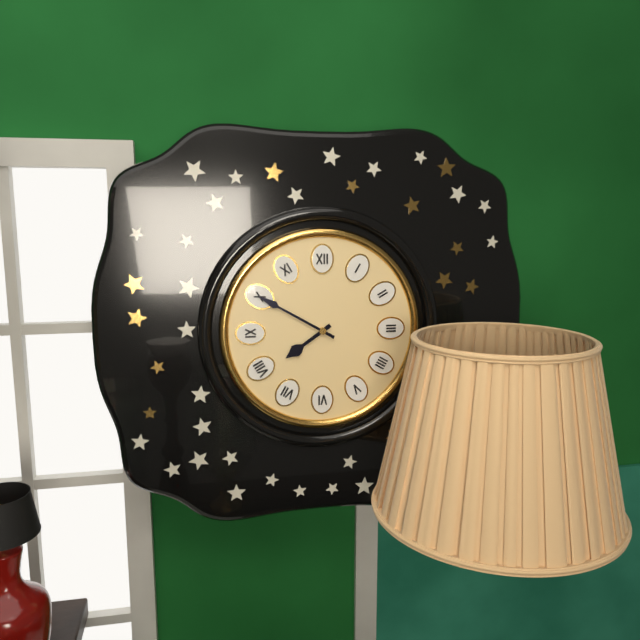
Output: **7:50**
